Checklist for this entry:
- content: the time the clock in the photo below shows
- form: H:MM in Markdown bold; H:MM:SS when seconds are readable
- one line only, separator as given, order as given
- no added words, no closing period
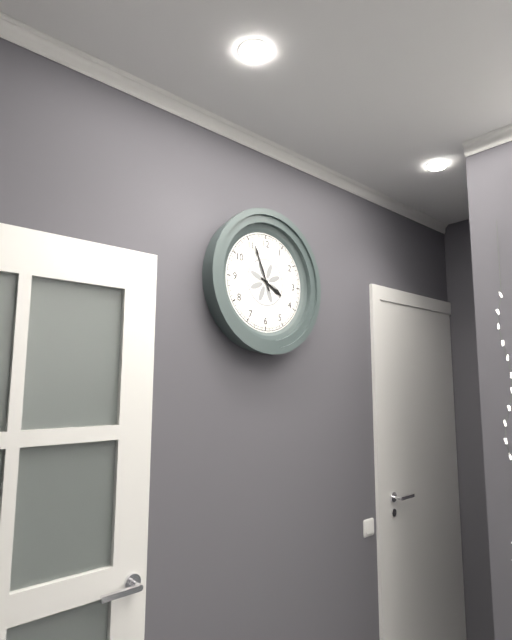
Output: **3:56**
